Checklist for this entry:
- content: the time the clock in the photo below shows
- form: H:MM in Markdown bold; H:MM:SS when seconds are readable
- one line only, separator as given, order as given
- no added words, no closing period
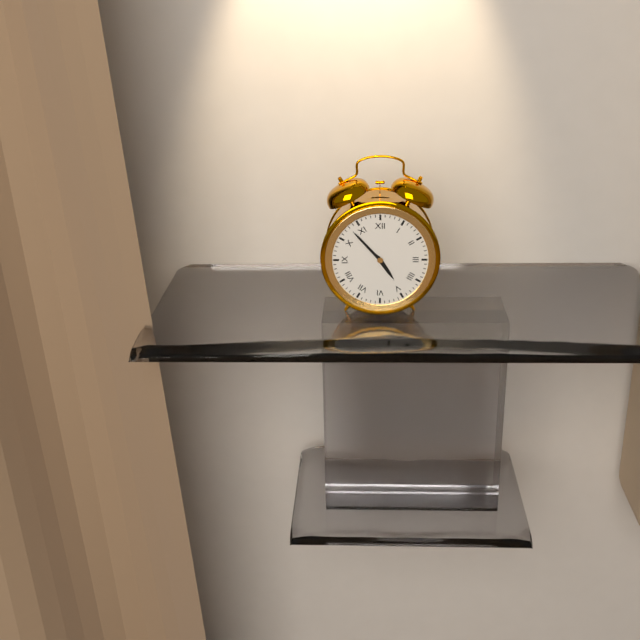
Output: **4:53**
